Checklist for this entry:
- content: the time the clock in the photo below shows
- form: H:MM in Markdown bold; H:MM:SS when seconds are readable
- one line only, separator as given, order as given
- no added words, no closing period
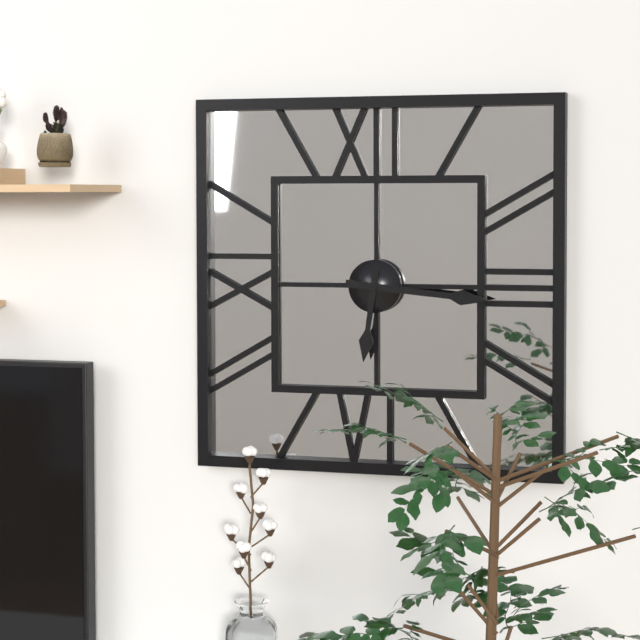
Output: **6:16**
